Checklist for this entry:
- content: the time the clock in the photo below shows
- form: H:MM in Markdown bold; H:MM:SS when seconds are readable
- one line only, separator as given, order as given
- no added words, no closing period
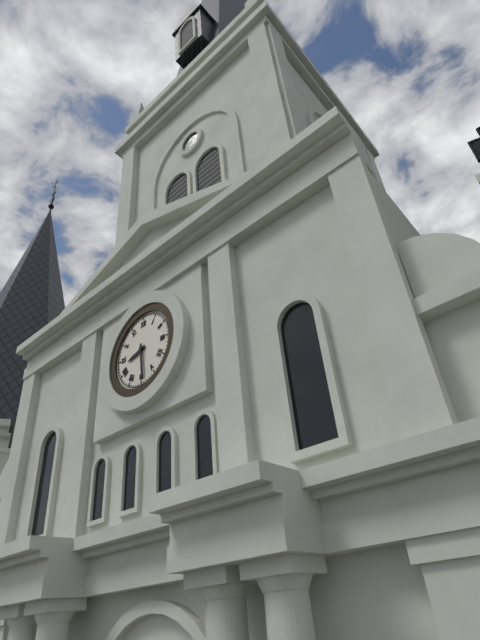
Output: **8:29**
